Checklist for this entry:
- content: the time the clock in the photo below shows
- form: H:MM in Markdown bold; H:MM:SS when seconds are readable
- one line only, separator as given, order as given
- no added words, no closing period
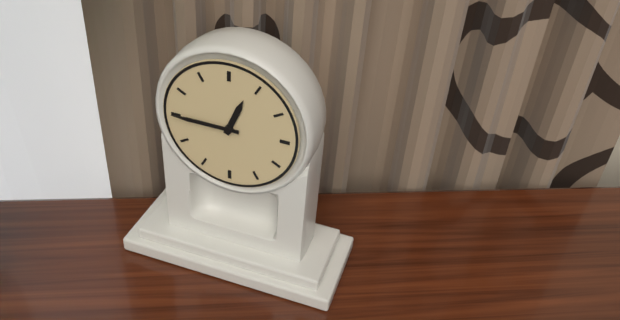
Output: **12:45**
